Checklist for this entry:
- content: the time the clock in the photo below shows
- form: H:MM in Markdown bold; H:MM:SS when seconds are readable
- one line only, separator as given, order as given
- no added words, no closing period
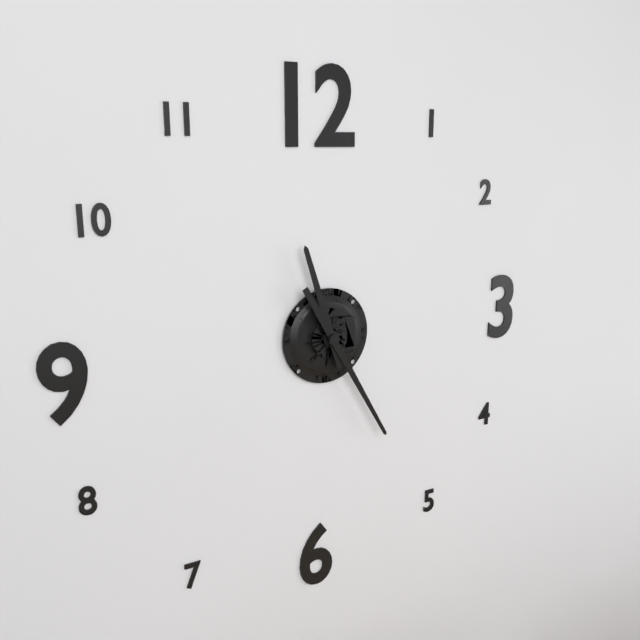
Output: **11:25**
